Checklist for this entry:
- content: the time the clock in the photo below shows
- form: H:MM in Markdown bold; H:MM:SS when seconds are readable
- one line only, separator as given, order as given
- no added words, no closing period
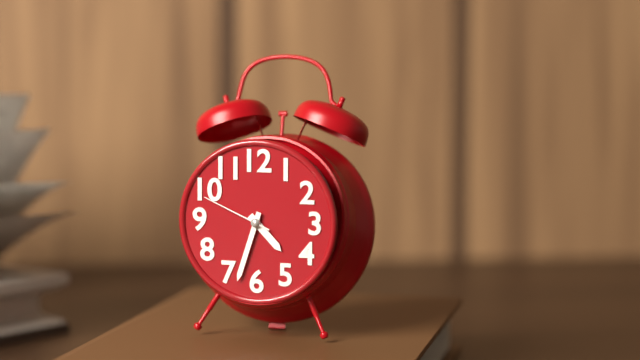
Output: **4:33:49**
